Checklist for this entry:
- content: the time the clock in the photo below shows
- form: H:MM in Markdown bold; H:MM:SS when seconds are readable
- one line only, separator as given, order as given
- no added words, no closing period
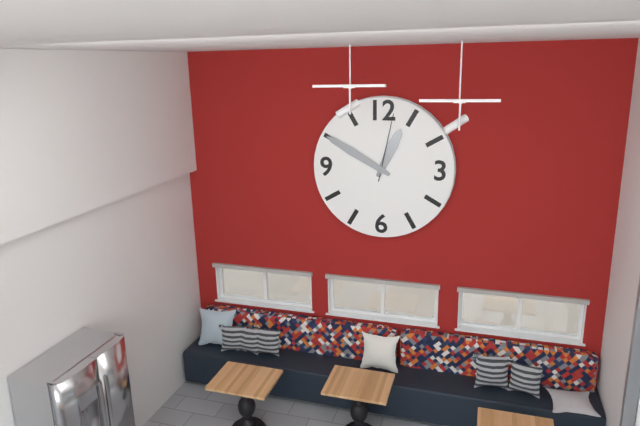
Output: **12:50:02**
